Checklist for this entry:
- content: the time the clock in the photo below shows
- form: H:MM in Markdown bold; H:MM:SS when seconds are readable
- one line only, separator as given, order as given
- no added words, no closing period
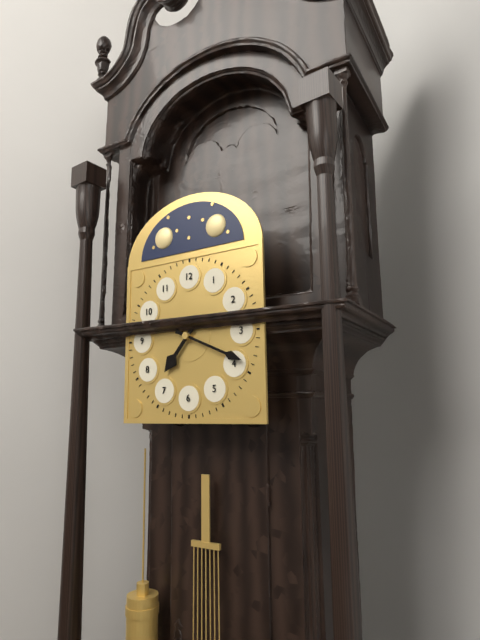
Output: **7:19**
